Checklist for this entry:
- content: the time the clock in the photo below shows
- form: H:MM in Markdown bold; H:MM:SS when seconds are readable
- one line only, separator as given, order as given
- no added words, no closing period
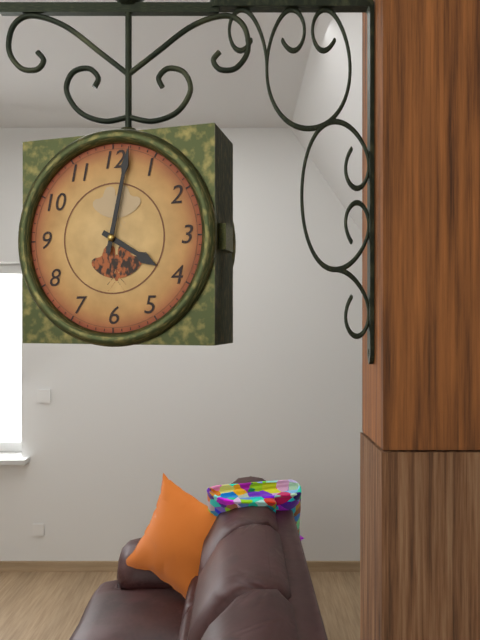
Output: **4:02**
